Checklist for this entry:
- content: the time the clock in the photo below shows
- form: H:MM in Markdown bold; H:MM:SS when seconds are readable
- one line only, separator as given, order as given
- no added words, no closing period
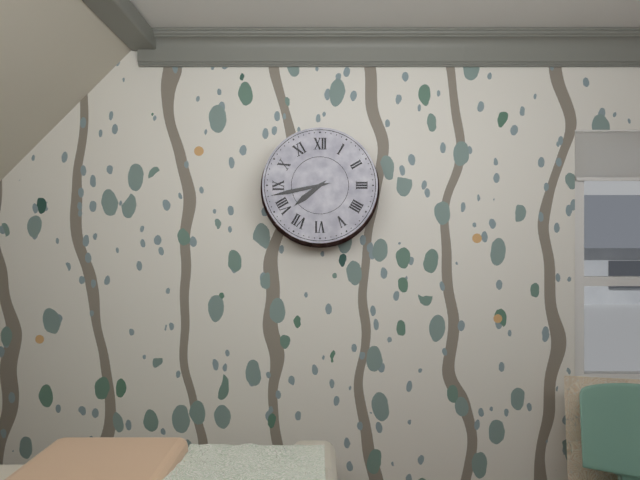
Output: **7:43**
